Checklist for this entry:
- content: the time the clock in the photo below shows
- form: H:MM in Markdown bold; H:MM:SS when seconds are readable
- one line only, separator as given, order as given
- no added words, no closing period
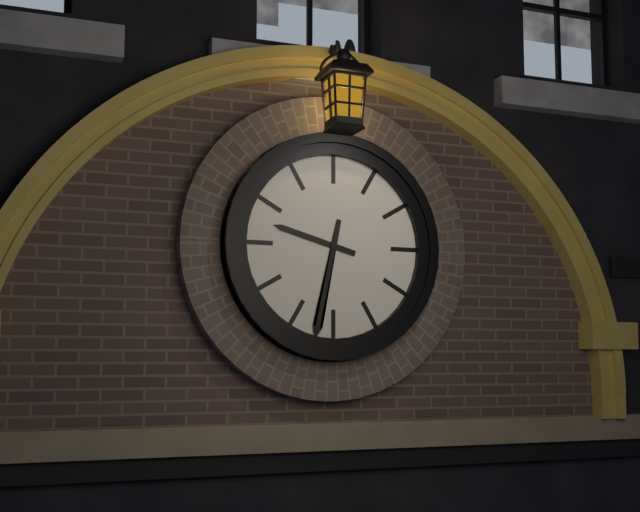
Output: **9:32**
